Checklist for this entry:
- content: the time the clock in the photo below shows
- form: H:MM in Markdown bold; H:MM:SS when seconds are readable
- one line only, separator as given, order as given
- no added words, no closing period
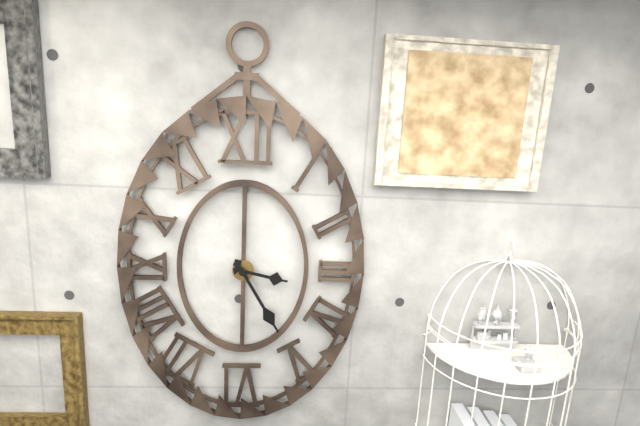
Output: **3:25**
